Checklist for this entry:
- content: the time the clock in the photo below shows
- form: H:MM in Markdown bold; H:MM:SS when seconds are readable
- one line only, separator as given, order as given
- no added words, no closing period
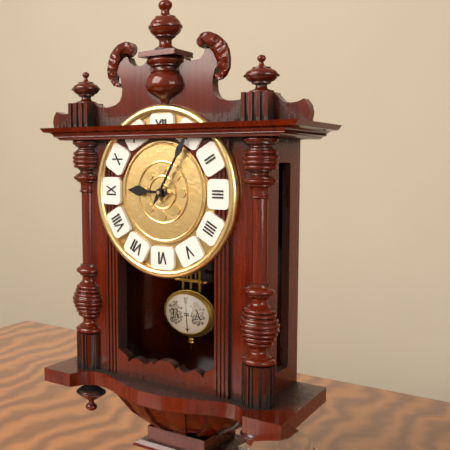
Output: **9:05**
